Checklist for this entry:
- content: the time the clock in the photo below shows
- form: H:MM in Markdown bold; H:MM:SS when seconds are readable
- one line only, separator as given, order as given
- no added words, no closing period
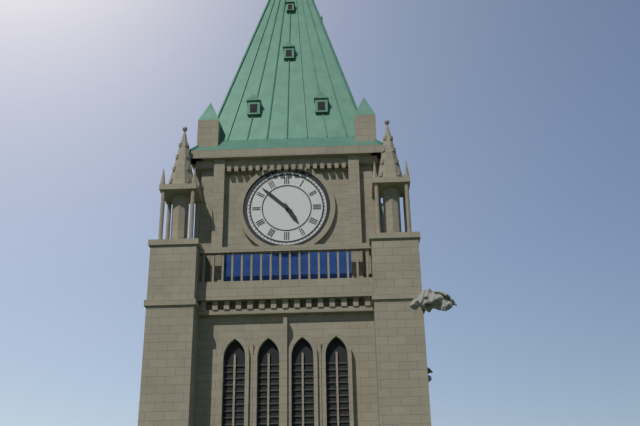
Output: **4:52**
